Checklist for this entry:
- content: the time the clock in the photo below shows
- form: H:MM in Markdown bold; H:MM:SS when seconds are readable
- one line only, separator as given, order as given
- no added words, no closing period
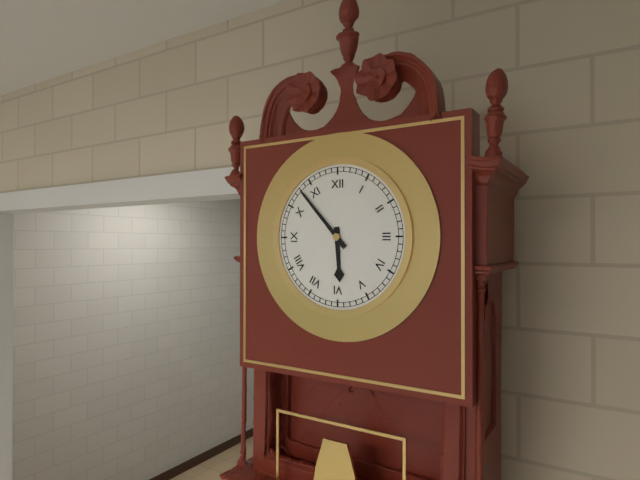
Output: **5:53**
